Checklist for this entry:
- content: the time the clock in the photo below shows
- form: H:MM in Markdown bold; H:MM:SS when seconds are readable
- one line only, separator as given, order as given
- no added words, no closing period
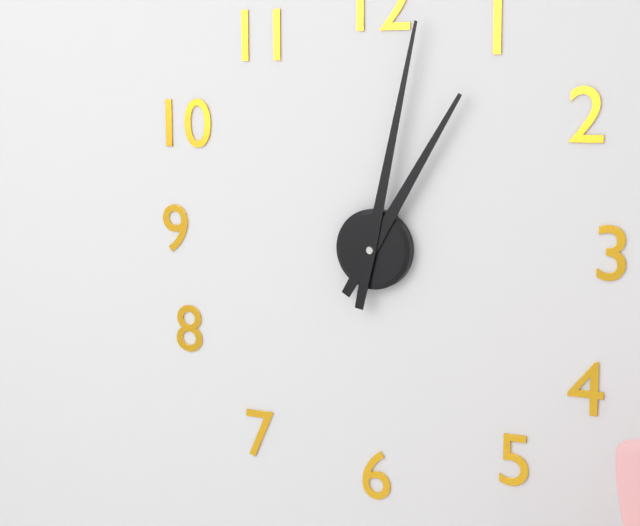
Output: **1:02**
